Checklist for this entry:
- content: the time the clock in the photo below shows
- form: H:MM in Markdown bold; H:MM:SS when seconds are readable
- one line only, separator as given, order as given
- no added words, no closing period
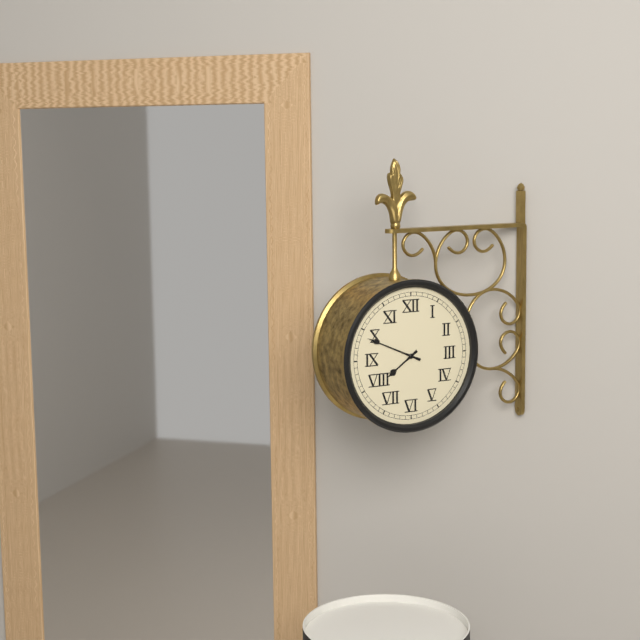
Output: **7:49**
